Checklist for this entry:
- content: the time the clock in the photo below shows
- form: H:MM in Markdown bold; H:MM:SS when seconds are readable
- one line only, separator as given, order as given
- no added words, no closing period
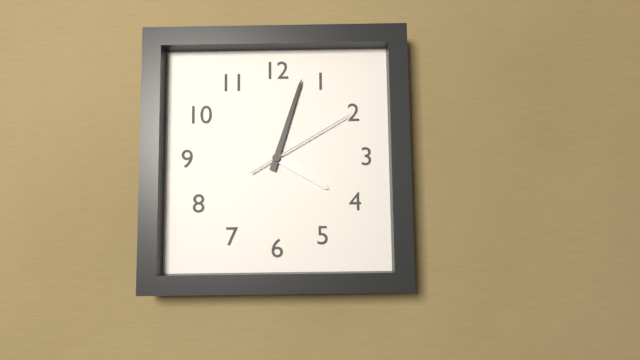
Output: **4:03:10**
